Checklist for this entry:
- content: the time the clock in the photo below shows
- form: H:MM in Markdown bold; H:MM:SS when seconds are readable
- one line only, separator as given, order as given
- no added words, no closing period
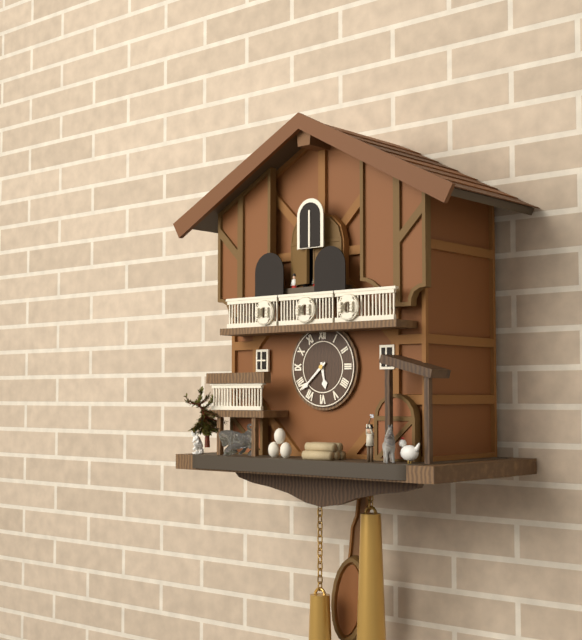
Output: **5:38**
